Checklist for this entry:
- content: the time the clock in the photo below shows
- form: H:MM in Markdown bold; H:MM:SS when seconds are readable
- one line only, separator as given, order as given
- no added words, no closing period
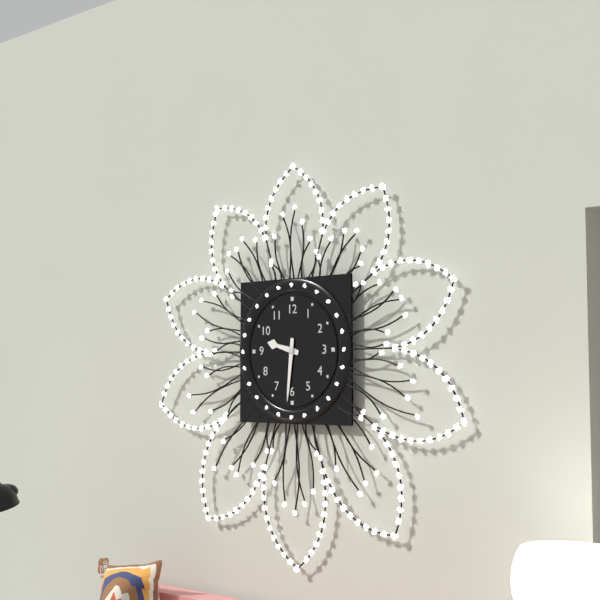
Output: **9:31**
